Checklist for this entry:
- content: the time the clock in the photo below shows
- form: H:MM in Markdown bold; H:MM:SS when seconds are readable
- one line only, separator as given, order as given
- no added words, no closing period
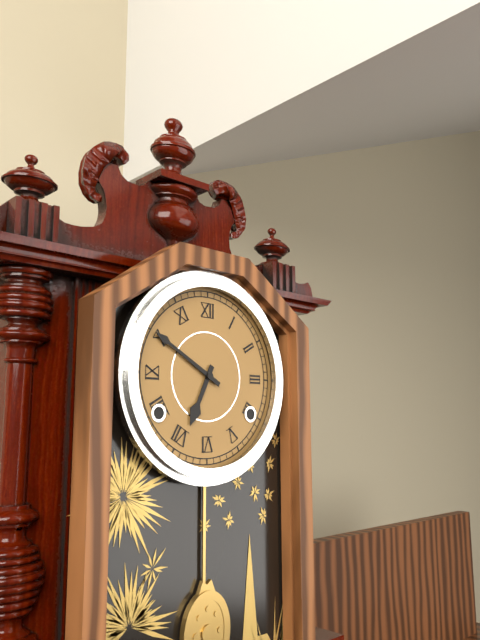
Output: **6:50**
